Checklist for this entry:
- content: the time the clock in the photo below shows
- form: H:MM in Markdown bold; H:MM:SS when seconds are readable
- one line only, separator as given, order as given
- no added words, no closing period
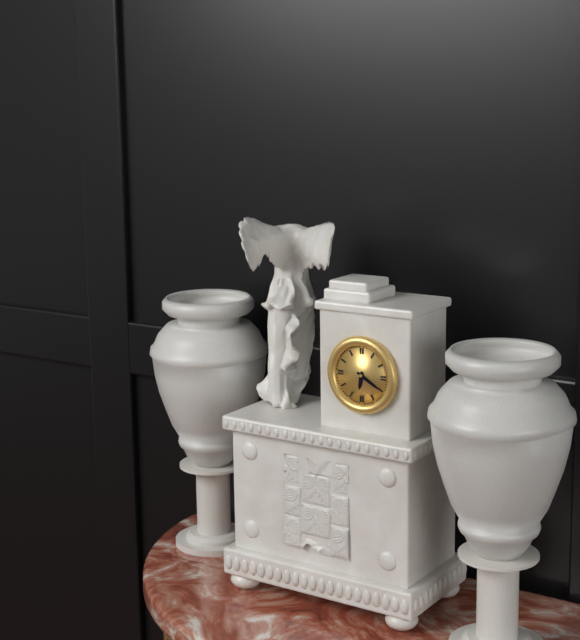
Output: **6:20**
